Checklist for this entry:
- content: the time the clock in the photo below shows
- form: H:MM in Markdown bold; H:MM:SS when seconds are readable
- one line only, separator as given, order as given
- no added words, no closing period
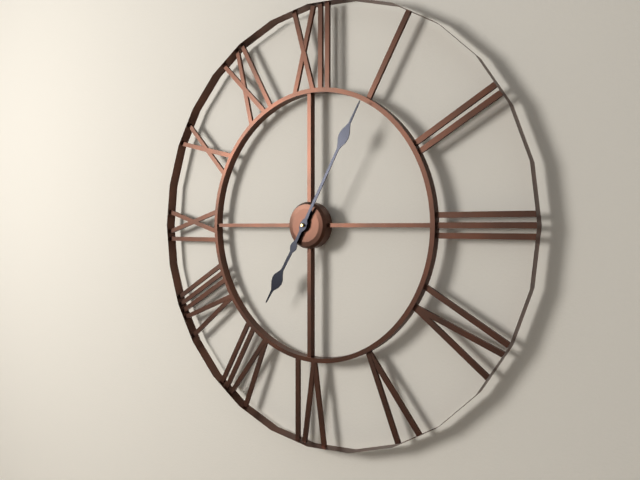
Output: **7:05**
